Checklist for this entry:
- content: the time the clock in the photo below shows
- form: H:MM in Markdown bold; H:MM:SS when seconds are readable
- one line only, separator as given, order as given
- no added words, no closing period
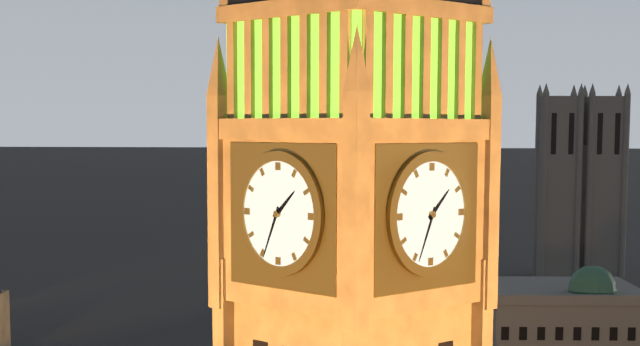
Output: **1:34**
